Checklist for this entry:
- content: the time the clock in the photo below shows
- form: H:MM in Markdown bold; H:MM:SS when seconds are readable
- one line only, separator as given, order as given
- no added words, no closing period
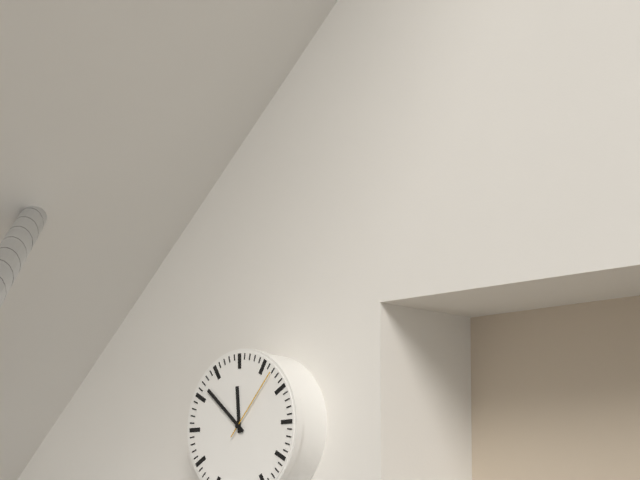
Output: **11:52:07**
